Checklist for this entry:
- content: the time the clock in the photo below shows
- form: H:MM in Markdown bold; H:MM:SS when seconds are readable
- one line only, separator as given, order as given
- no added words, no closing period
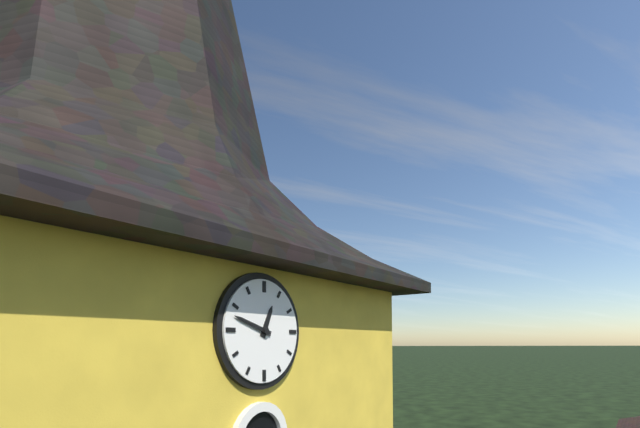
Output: **12:48**
